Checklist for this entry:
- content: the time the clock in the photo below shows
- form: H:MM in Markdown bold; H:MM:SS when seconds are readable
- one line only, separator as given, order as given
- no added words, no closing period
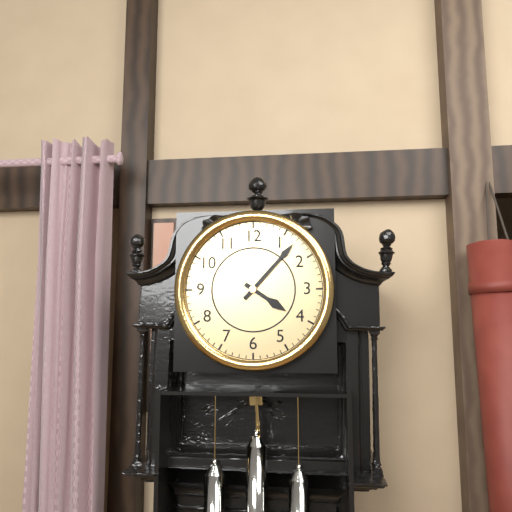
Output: **4:07**
